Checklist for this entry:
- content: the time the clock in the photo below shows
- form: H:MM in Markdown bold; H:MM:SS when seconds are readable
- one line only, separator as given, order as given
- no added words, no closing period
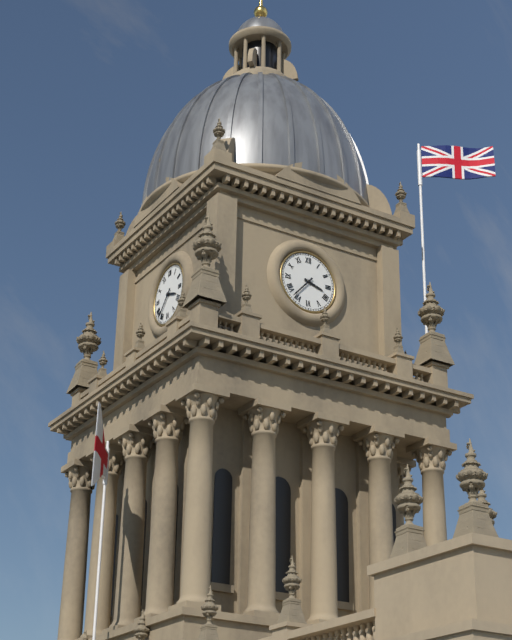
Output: **3:37**
